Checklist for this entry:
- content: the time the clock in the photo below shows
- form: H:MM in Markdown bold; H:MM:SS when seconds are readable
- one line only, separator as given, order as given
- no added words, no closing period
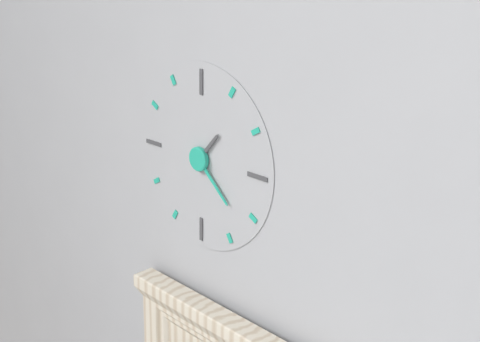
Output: **1:22**
